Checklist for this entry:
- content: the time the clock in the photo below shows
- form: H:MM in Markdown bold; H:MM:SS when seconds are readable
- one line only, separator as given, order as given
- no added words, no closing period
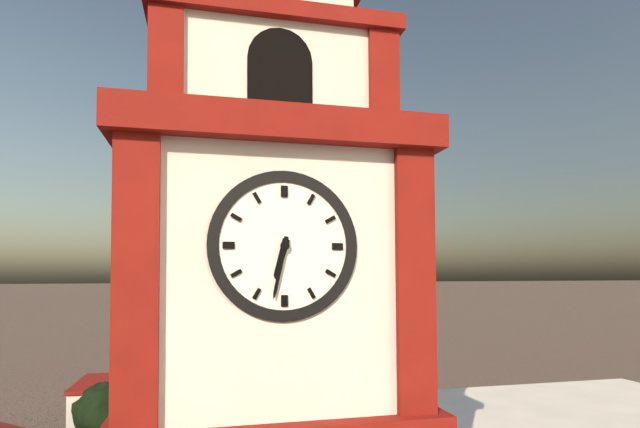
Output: **6:32**
